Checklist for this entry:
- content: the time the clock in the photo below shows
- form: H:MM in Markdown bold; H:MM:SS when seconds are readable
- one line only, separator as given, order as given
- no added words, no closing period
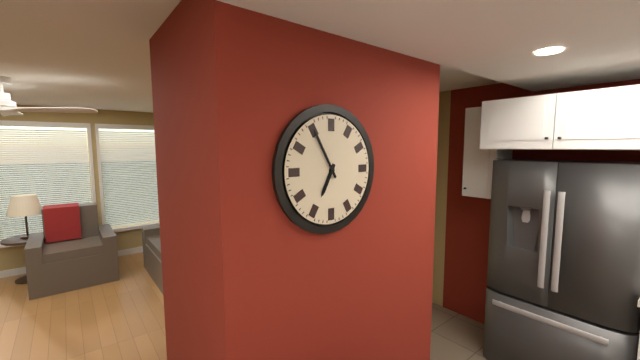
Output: **6:55**
